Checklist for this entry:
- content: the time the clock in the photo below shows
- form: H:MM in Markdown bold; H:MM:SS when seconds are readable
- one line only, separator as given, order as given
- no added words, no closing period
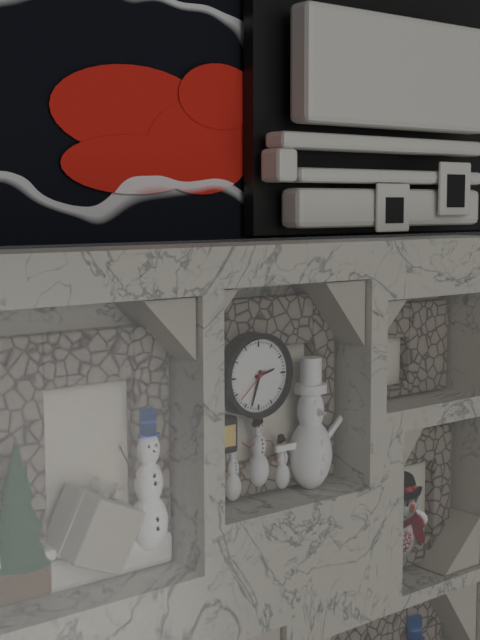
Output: **2:33**
